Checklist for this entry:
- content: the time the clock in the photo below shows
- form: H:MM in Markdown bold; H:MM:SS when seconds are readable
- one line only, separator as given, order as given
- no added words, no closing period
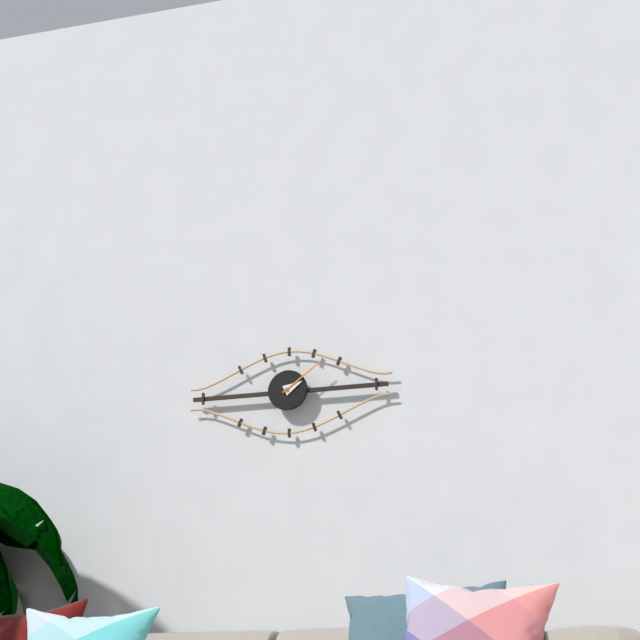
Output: **2:09**
